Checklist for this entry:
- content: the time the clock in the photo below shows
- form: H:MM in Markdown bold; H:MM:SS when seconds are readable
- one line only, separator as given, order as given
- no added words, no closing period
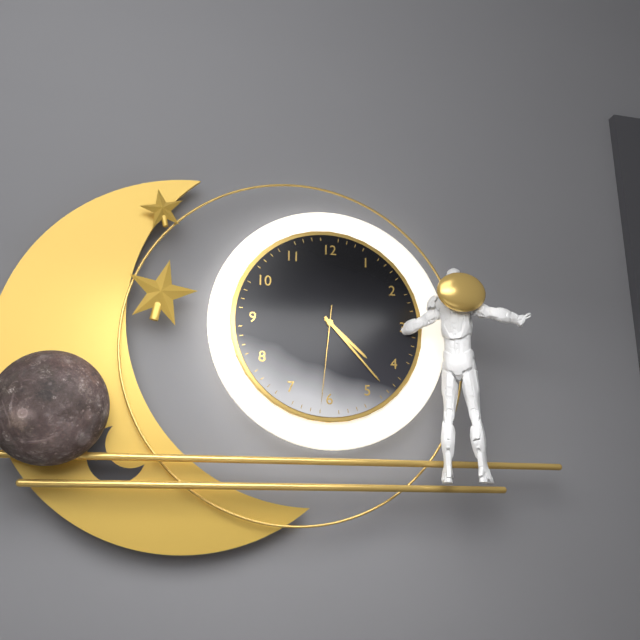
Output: **4:23:31**
